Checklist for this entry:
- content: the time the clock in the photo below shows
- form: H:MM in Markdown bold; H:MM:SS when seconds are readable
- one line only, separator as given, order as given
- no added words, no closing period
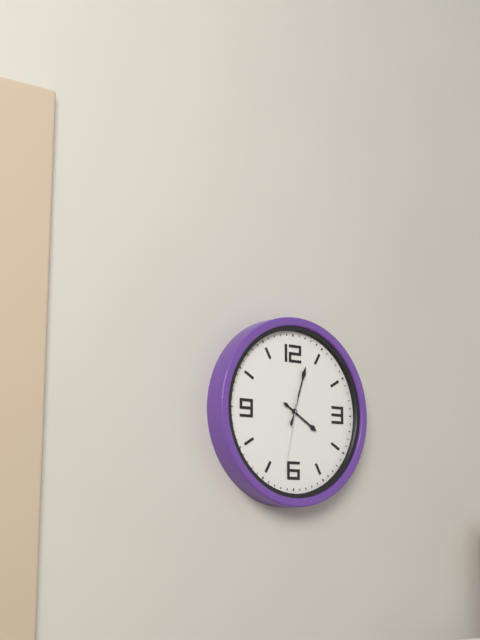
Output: **4:03:32**
